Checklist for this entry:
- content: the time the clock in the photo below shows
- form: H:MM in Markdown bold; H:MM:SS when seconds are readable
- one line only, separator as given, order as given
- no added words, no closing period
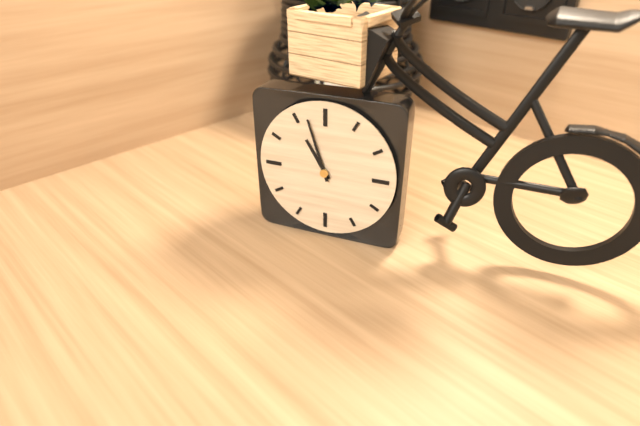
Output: **10:57**
